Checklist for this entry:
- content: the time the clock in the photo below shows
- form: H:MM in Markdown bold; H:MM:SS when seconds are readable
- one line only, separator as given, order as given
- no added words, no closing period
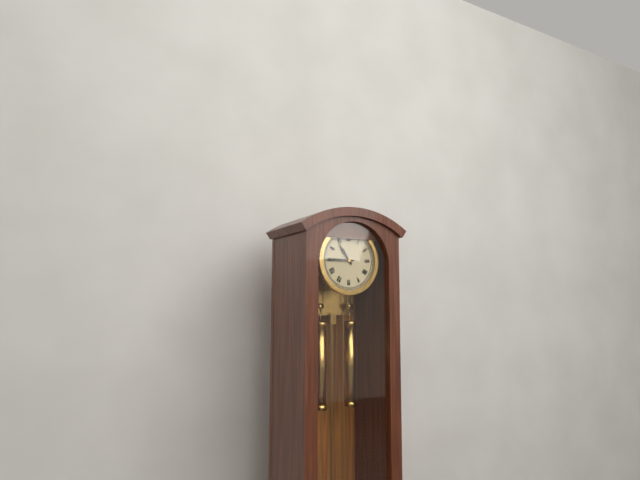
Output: **10:45**
